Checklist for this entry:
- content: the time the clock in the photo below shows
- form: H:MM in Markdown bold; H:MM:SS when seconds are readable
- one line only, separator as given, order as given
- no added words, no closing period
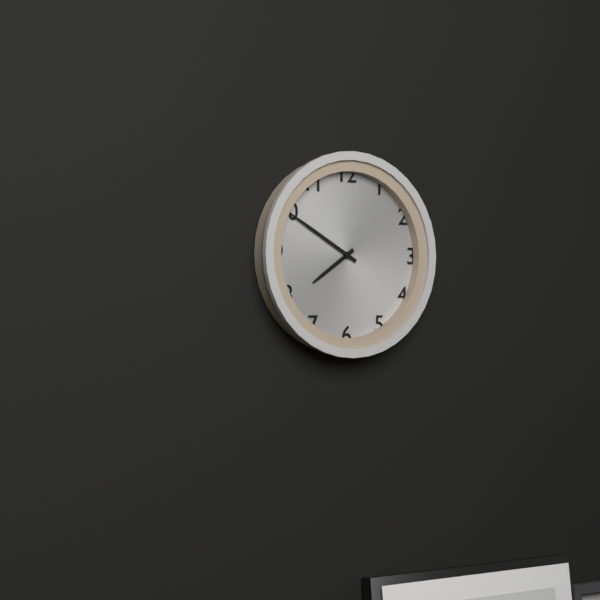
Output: **7:50**
